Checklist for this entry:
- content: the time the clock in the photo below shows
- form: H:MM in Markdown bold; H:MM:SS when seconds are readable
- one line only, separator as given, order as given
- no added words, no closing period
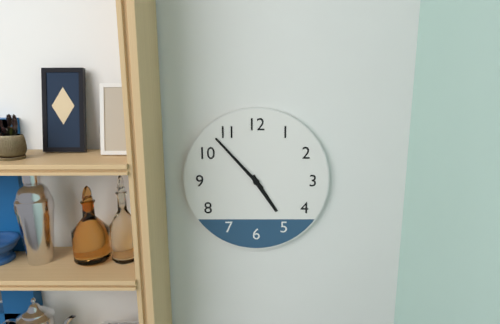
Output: **4:53**
